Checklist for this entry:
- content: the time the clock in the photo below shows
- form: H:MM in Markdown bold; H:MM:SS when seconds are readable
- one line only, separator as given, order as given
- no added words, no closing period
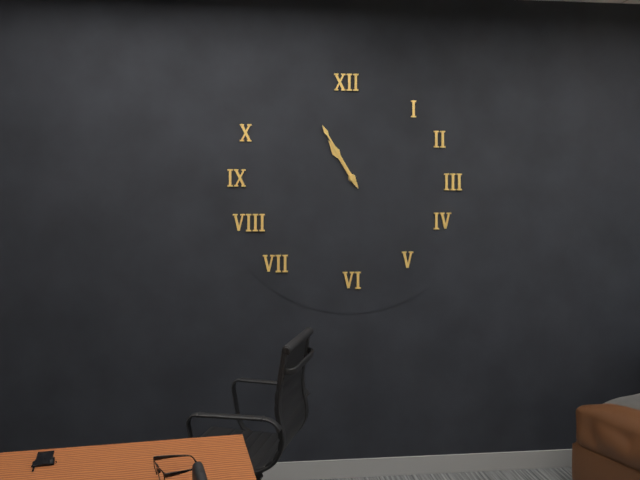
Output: **10:55**
